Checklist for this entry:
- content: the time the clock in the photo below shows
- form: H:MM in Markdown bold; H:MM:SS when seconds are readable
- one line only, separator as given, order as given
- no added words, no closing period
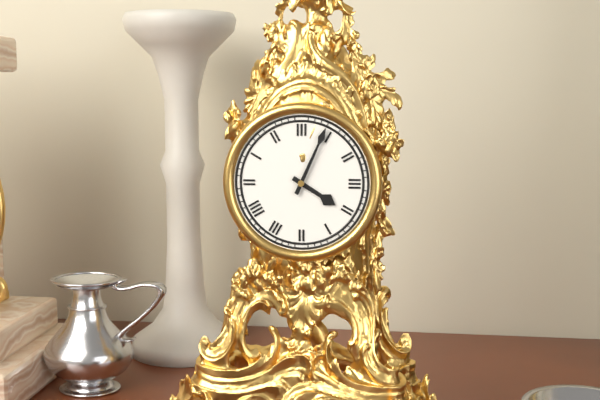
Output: **4:04**
